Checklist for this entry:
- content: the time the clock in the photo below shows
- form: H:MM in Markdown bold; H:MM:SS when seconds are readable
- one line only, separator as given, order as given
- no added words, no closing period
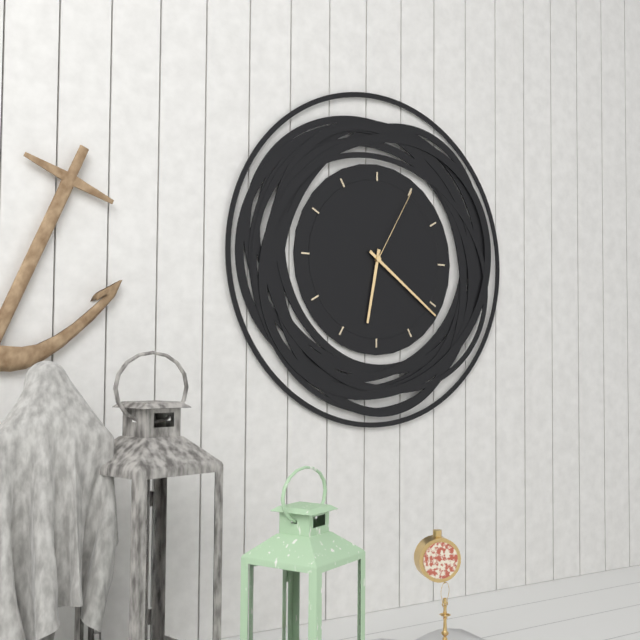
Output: **6:21:05**
